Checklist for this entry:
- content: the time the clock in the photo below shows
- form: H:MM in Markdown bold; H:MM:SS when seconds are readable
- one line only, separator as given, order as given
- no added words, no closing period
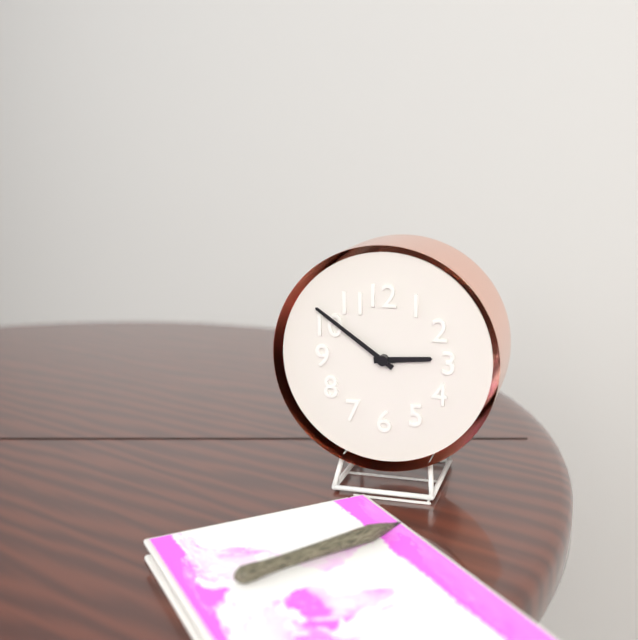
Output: **2:51**
